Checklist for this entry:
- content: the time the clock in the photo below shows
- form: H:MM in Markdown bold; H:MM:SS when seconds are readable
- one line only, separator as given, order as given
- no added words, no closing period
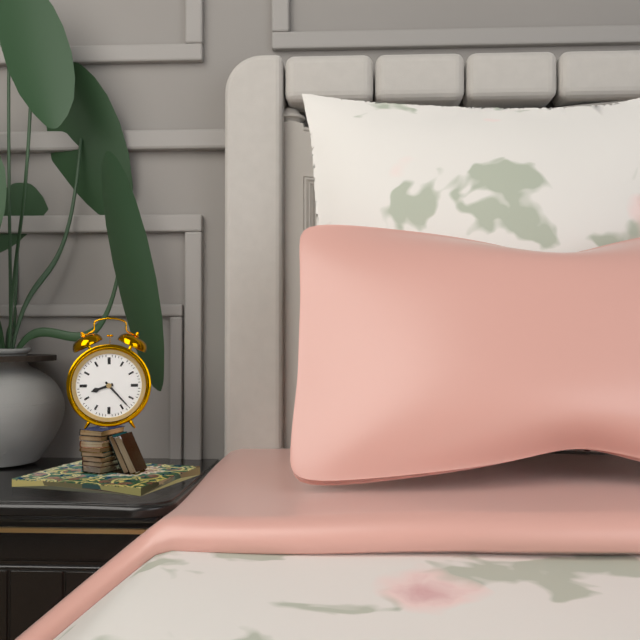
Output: **8:23**
